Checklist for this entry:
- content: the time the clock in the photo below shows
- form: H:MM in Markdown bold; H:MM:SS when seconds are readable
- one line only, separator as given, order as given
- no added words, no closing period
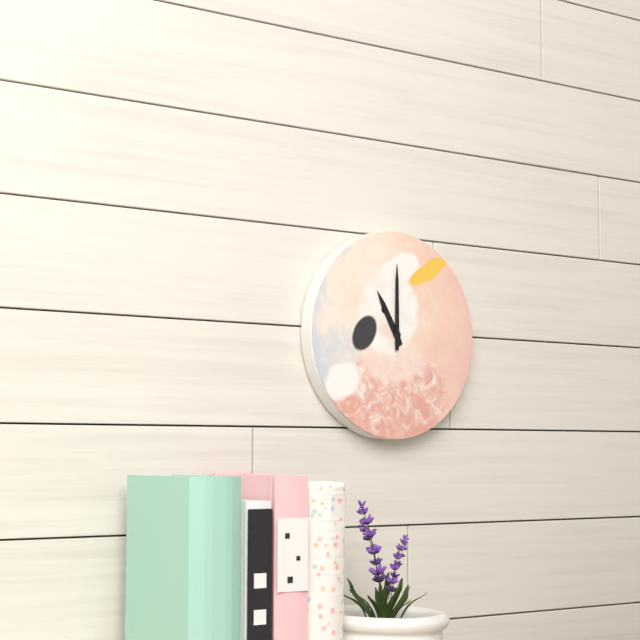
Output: **11:00**
